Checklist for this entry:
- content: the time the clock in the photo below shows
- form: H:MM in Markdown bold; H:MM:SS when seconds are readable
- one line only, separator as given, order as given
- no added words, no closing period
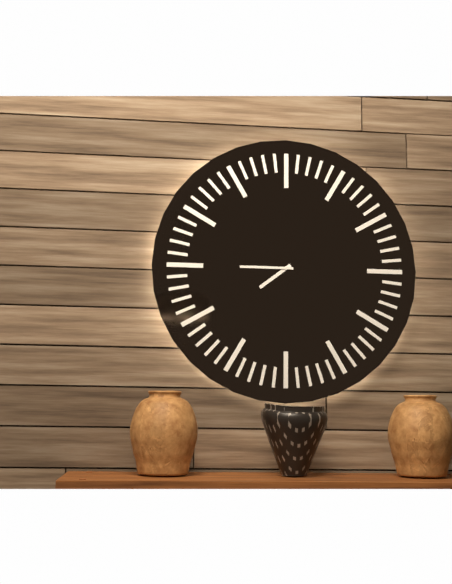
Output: **7:45**
